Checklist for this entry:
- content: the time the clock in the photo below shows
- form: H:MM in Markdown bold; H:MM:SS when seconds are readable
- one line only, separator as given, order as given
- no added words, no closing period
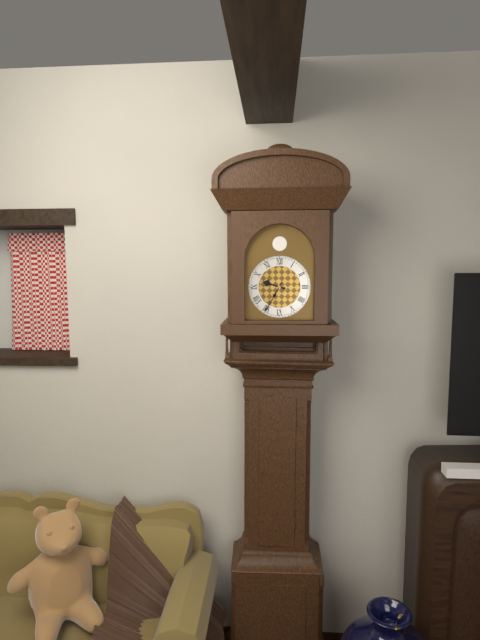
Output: **9:35**
